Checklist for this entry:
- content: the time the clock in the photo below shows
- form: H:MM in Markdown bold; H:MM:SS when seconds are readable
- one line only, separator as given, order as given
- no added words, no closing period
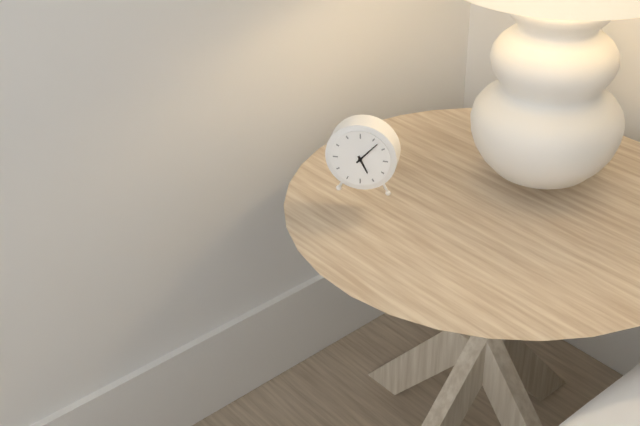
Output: **5:07**
